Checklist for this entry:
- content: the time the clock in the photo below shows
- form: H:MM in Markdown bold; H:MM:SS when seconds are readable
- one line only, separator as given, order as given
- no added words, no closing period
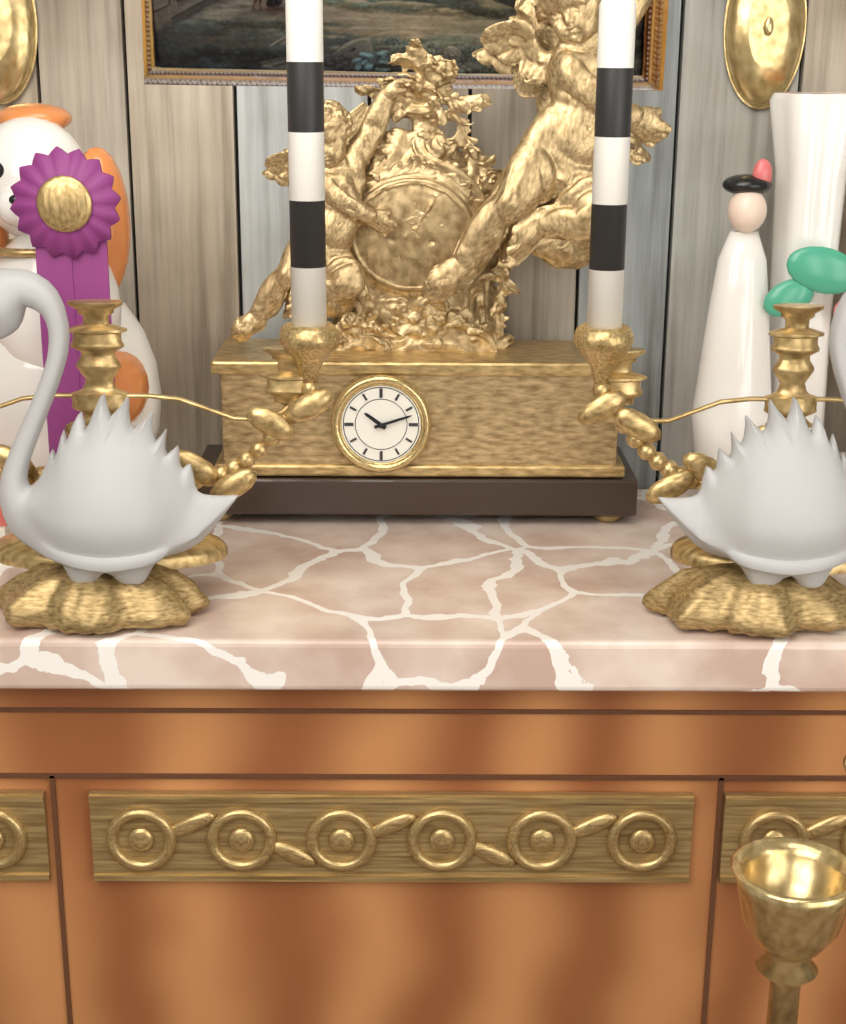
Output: **10:12**
